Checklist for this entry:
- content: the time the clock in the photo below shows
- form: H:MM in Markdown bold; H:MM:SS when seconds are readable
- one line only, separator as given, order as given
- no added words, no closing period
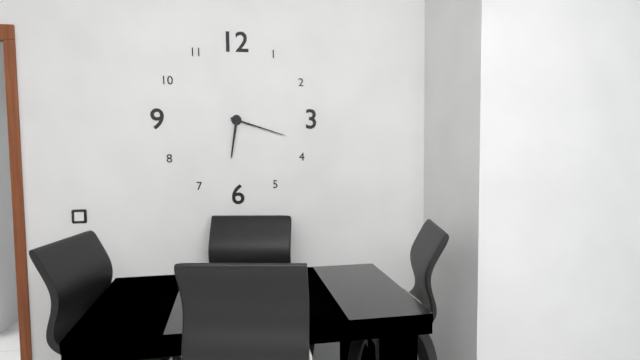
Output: **6:18**
